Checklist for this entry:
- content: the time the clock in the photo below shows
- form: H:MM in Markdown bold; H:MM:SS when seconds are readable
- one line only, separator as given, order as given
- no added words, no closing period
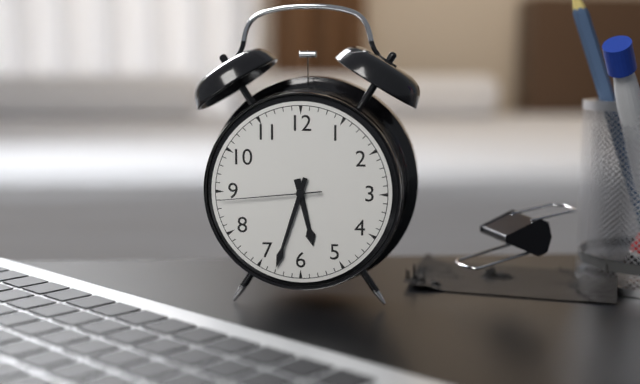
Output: **5:33:44**
